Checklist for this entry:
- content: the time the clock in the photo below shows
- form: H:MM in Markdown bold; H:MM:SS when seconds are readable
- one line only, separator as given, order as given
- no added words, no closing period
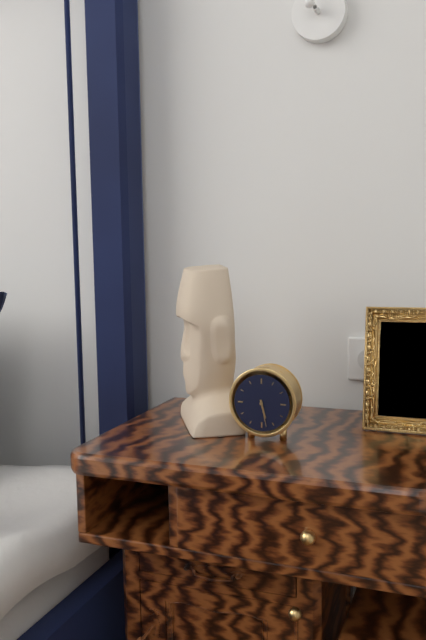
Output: **5:28**
